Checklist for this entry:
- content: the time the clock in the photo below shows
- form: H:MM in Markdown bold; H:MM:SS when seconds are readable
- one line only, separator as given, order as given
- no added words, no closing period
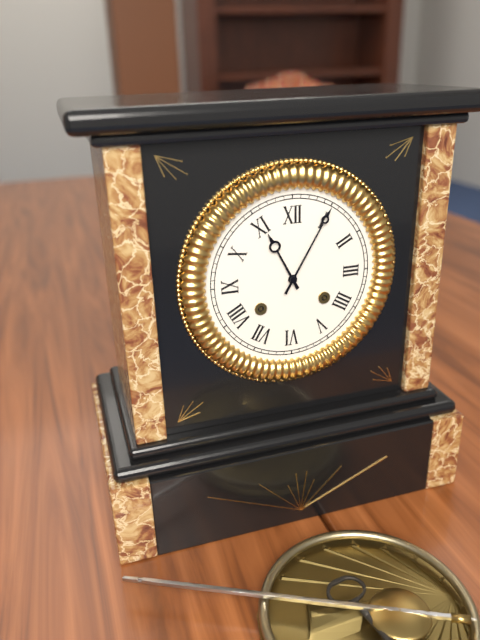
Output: **11:05**
